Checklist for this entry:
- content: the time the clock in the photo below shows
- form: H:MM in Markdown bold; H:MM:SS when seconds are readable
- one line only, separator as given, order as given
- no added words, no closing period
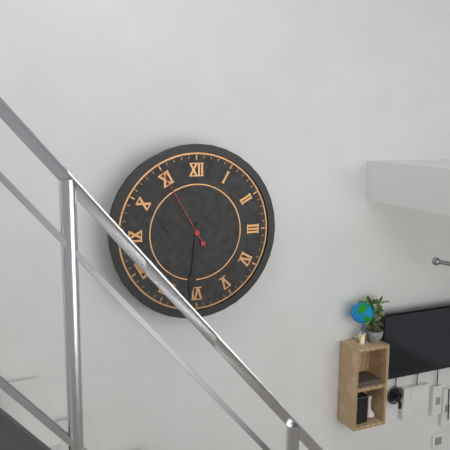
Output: **9:31:55**
